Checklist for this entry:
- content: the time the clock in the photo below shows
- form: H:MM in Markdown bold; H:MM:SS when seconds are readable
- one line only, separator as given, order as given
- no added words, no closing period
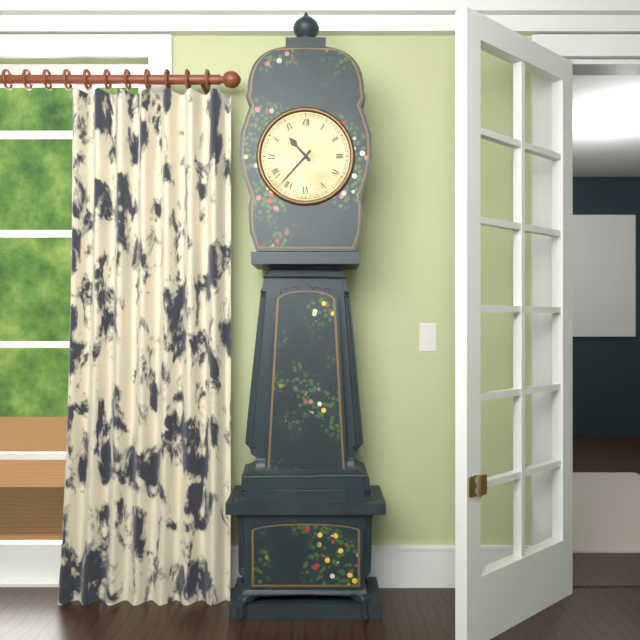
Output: **10:37**
